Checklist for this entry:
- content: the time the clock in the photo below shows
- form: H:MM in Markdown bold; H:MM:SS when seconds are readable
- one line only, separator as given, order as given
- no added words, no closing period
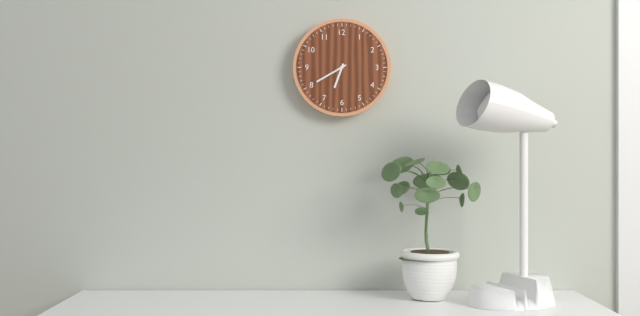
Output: **6:40**
